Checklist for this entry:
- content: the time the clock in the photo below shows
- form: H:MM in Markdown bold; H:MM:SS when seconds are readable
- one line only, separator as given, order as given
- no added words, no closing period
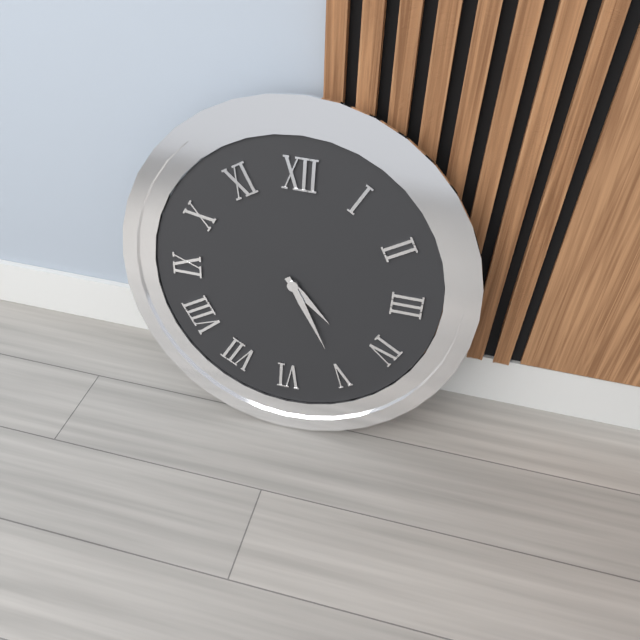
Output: **4:25**
